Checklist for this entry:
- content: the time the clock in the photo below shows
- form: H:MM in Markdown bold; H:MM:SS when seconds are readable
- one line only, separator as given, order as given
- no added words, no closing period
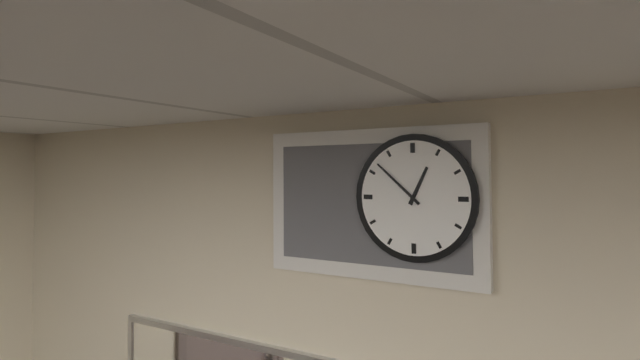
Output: **12:52**
